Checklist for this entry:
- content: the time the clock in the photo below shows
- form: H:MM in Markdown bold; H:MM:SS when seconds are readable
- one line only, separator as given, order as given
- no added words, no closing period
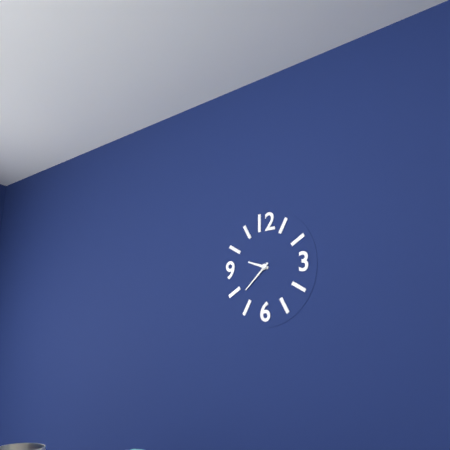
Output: **9:38**
